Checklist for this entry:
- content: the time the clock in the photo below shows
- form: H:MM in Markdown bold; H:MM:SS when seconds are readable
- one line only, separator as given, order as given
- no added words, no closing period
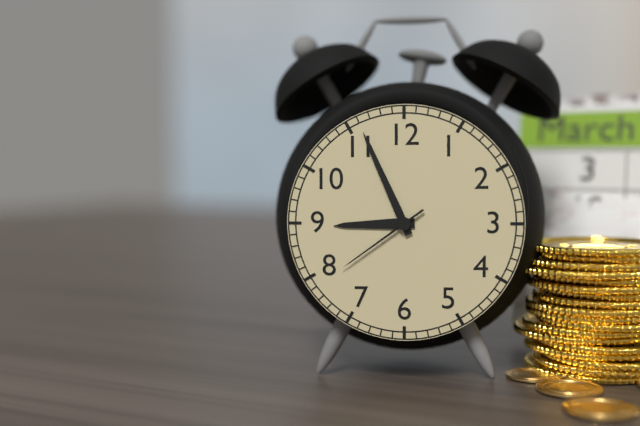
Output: **8:56:39**
